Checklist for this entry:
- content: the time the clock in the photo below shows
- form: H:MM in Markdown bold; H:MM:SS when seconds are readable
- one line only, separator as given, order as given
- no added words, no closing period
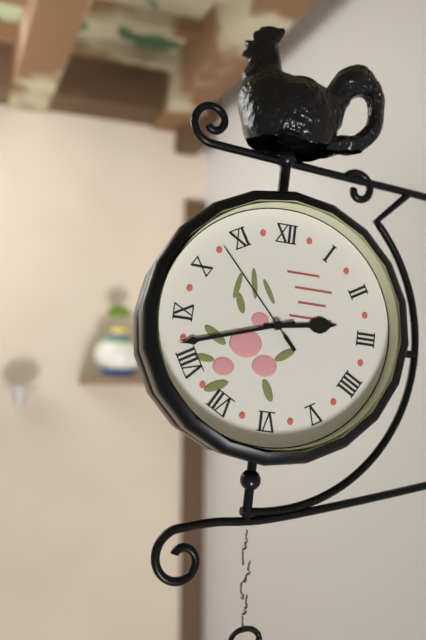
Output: **2:42:53**
